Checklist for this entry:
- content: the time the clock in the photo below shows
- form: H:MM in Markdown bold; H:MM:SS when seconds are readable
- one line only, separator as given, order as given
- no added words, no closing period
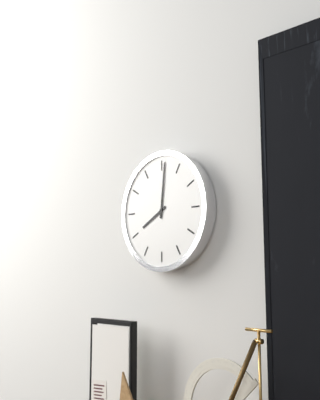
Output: **8:01**
